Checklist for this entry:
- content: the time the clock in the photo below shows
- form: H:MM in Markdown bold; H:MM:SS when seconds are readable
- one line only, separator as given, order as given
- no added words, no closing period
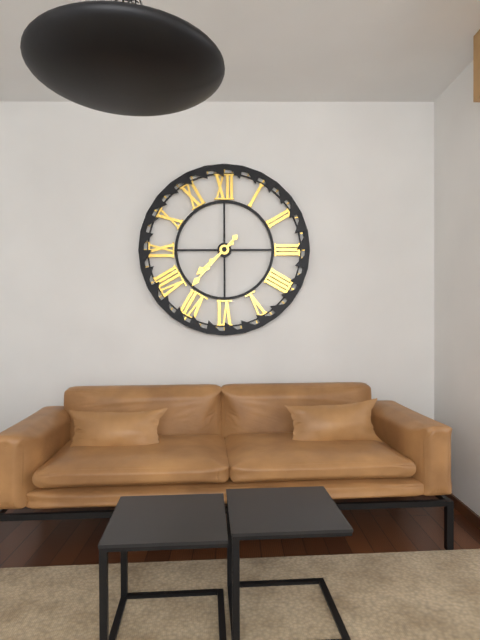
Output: **7:37**
